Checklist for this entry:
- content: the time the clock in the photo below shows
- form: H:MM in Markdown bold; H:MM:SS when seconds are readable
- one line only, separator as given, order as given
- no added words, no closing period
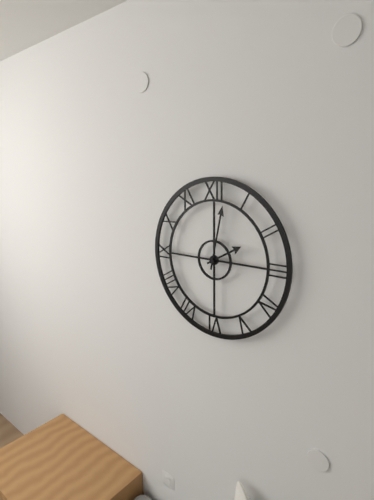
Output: **2:02**
